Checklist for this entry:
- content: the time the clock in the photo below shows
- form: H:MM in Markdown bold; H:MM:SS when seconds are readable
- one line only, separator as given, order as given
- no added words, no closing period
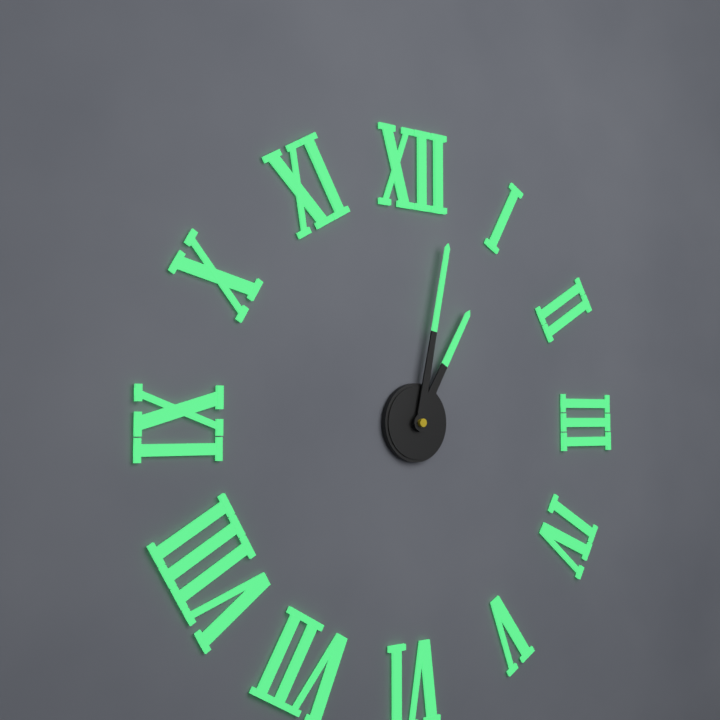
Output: **1:02**
